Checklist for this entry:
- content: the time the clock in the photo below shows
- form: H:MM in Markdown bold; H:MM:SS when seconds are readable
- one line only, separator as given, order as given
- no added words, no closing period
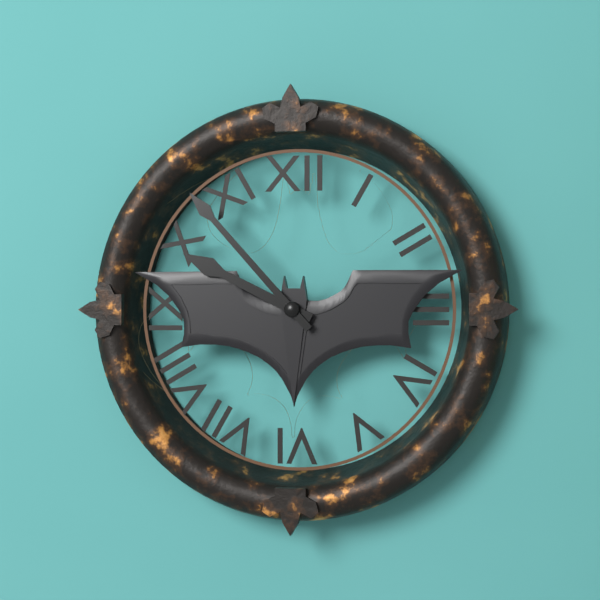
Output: **9:53**
